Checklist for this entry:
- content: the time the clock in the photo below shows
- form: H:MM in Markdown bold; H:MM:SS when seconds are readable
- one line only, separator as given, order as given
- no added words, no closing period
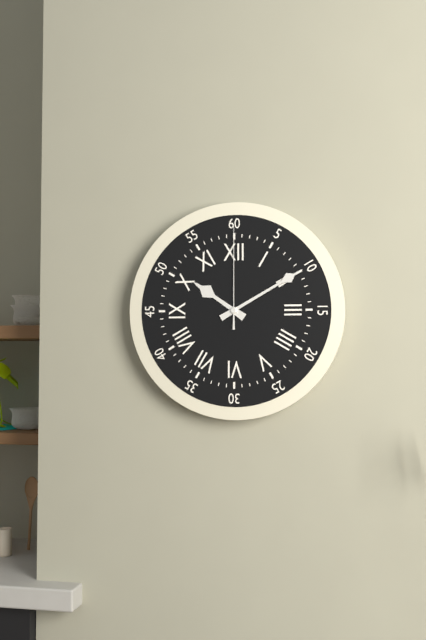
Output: **10:10:00**
